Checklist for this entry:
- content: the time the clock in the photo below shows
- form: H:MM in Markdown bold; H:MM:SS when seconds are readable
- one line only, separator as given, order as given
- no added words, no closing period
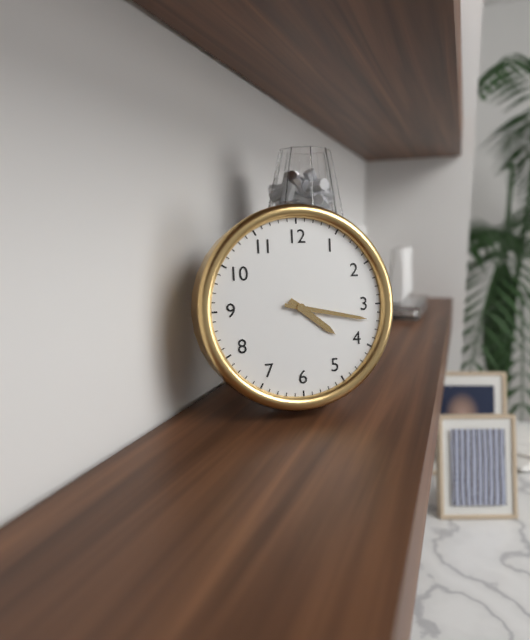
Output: **4:17**
